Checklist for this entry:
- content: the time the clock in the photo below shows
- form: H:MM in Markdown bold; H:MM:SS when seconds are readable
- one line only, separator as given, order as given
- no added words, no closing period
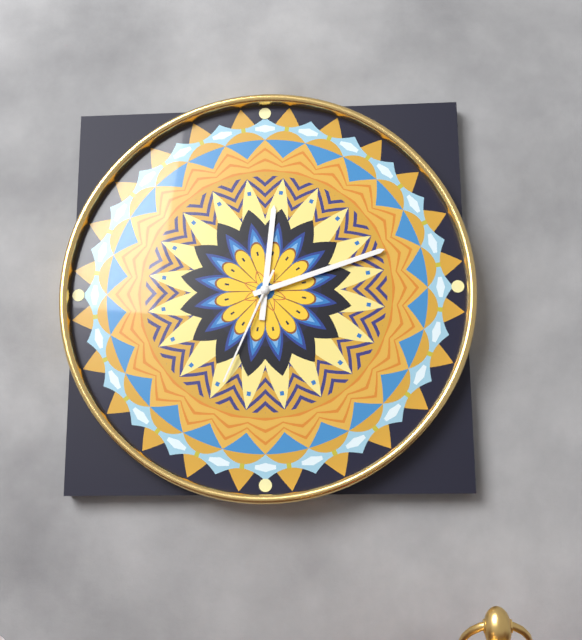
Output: **12:12:34**
